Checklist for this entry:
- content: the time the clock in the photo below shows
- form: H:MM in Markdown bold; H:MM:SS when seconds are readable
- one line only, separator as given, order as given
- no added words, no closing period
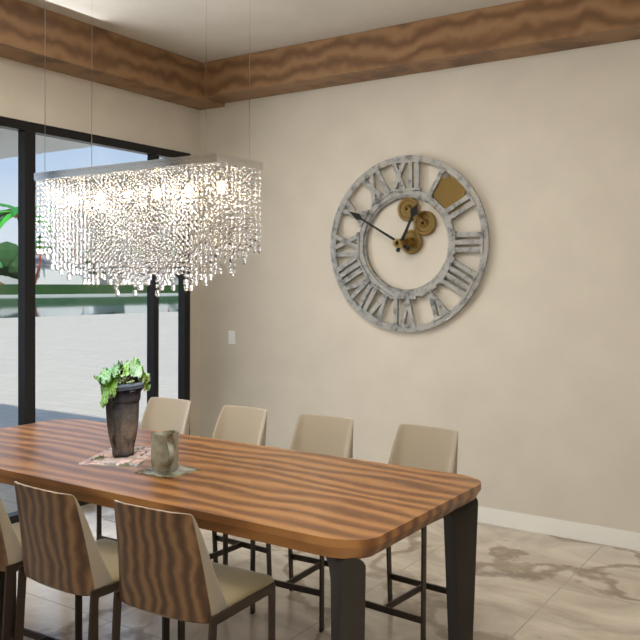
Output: **12:50**
